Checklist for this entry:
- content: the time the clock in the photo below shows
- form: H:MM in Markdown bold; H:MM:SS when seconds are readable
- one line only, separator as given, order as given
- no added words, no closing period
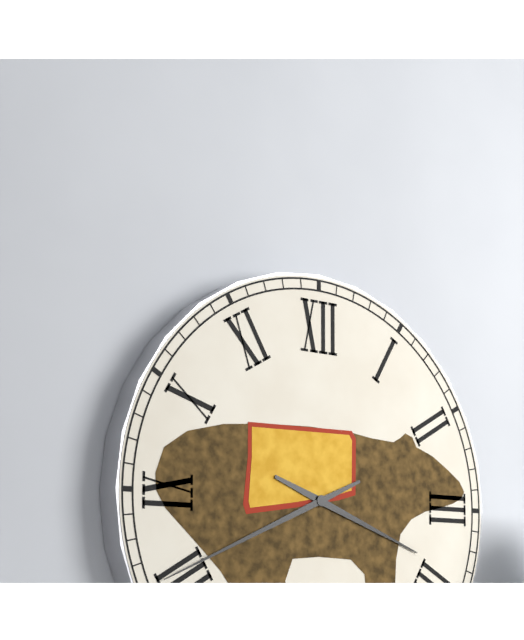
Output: **3:41**
